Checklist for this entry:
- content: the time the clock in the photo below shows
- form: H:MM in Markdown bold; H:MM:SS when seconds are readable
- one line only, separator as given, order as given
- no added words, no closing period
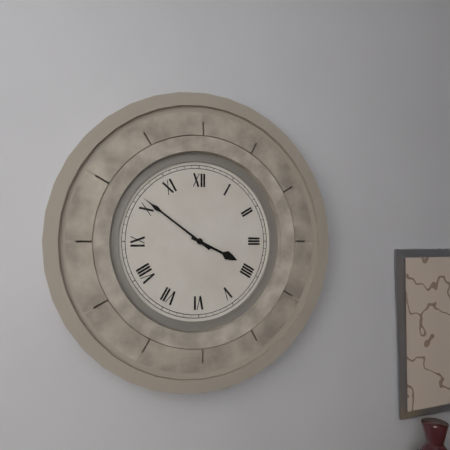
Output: **3:51**
